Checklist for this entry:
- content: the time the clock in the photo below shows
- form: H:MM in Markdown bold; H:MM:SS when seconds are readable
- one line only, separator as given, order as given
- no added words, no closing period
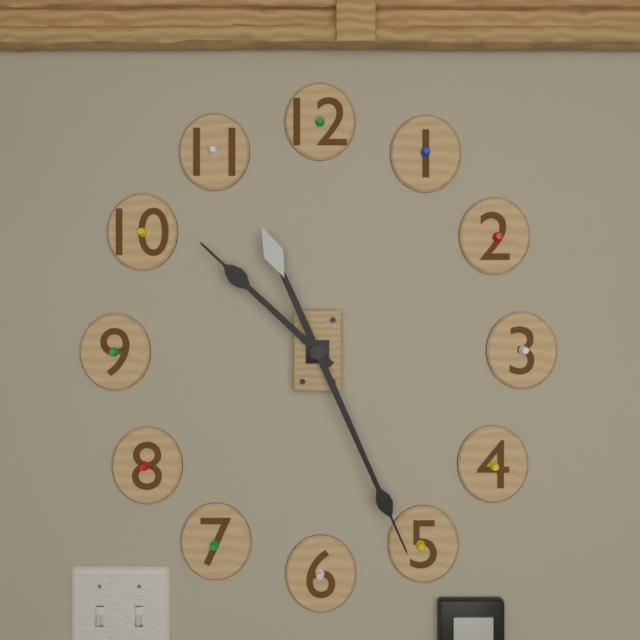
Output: **10:26**
